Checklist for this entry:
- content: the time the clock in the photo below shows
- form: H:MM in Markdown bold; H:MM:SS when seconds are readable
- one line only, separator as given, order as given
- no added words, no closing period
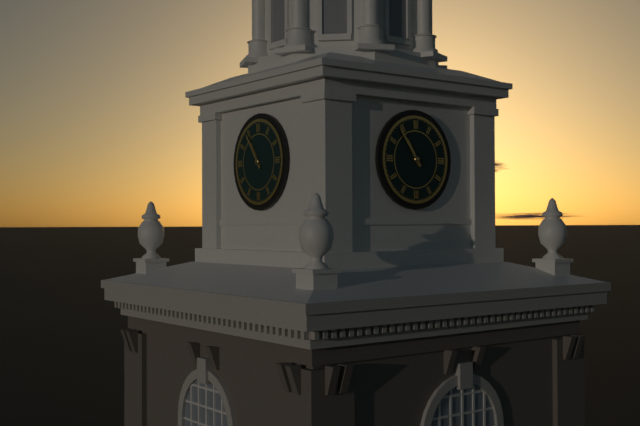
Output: **10:54**
